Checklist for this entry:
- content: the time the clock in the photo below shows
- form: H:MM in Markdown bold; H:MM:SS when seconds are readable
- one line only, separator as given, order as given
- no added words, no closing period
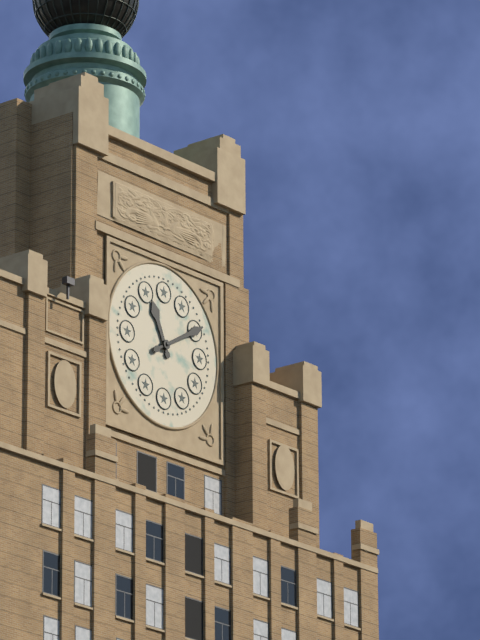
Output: **11:10**
